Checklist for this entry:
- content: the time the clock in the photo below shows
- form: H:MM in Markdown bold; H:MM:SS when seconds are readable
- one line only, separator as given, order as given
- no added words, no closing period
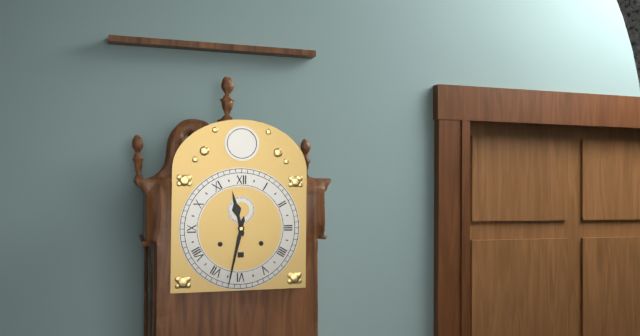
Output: **11:32**
